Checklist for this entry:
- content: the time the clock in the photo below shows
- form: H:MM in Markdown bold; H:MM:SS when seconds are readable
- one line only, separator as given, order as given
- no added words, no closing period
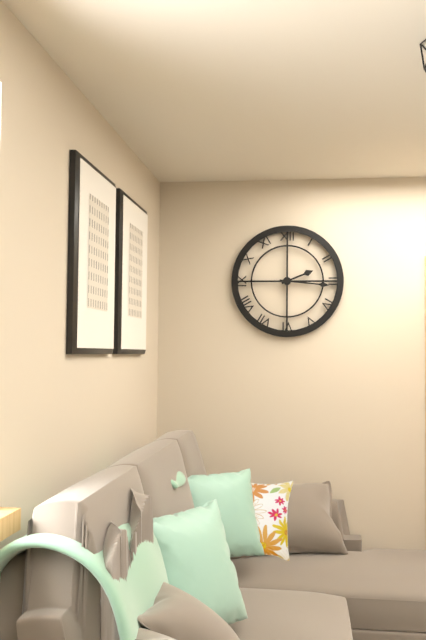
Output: **2:16**
